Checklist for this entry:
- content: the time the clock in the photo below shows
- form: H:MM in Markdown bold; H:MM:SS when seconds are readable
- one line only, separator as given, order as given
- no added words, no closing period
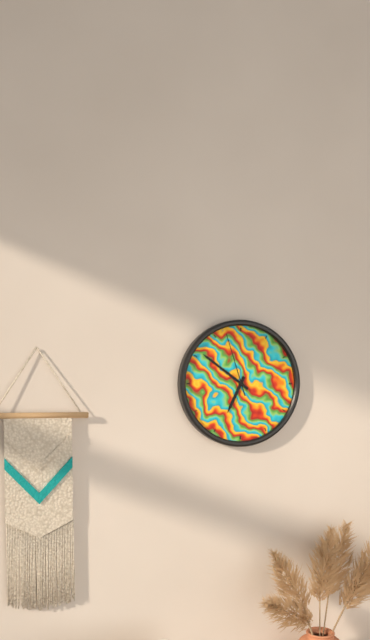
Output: **6:51:57**
